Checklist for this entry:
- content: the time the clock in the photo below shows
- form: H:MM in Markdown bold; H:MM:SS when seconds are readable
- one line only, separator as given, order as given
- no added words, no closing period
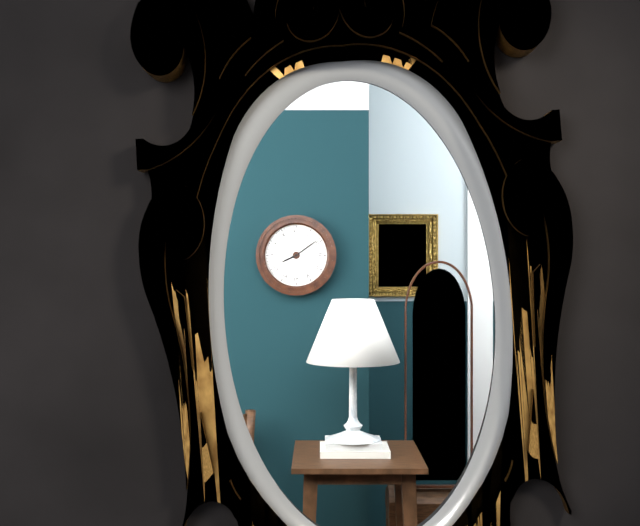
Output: **8:09**
